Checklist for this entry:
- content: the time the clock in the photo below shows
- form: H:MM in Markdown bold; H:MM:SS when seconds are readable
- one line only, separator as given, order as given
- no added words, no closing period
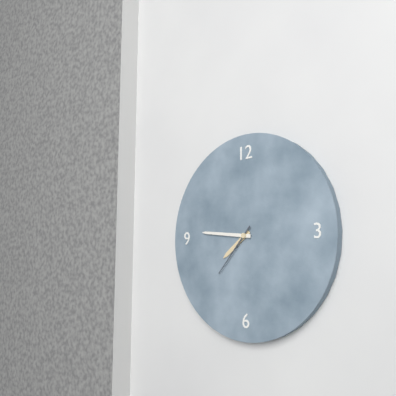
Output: **7:46:37**
